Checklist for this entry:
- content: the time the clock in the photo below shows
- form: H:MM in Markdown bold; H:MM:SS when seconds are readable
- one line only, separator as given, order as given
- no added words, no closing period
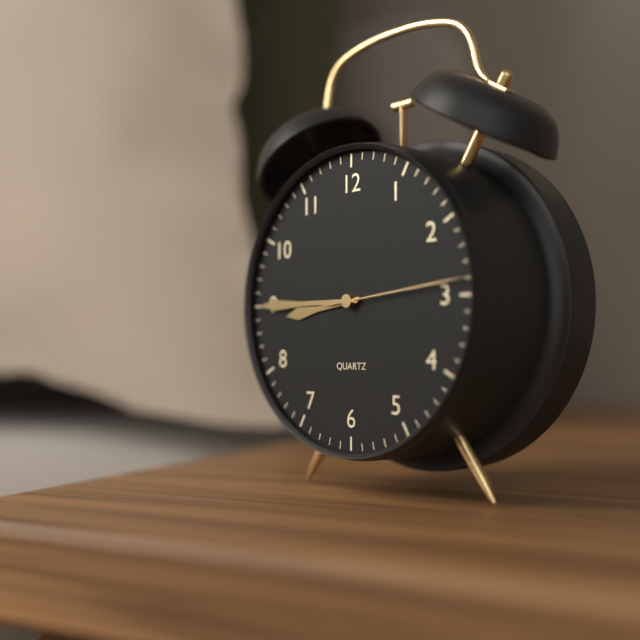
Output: **8:45:14**
